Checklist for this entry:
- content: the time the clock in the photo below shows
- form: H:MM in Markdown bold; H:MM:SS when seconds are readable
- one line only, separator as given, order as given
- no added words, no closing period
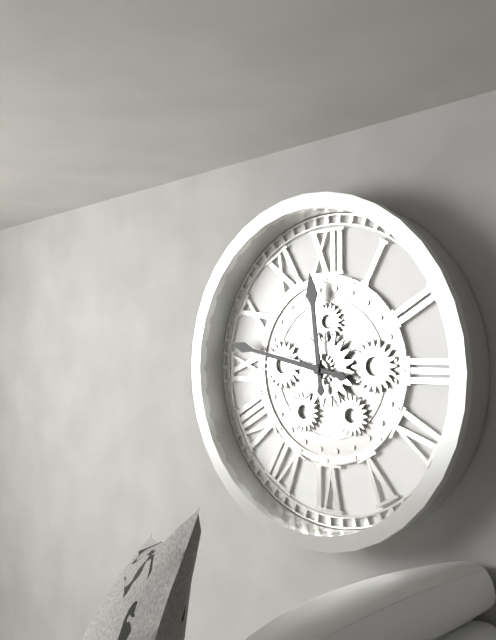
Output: **11:47**
